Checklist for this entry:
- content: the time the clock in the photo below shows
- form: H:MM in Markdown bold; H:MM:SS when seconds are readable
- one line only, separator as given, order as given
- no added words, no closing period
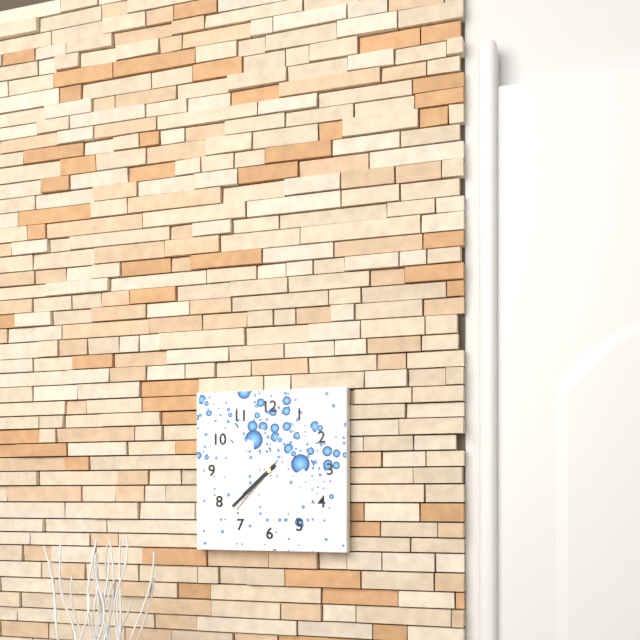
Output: **7:38:37**
